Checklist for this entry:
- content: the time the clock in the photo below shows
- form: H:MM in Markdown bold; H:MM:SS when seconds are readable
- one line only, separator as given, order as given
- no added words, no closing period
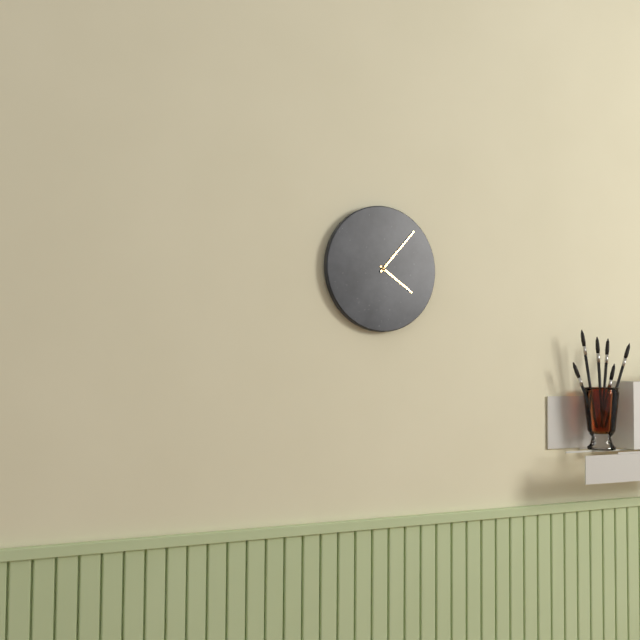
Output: **4:07**
